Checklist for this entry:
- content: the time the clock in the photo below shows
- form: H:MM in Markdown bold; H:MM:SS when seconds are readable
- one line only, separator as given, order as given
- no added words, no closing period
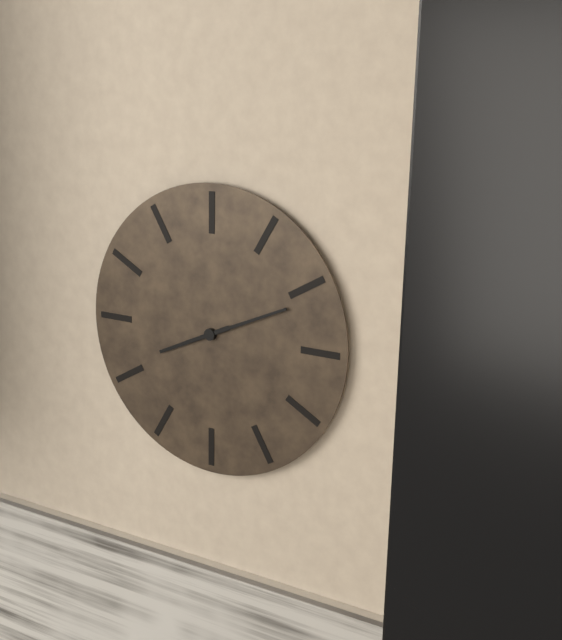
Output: **8:11**
